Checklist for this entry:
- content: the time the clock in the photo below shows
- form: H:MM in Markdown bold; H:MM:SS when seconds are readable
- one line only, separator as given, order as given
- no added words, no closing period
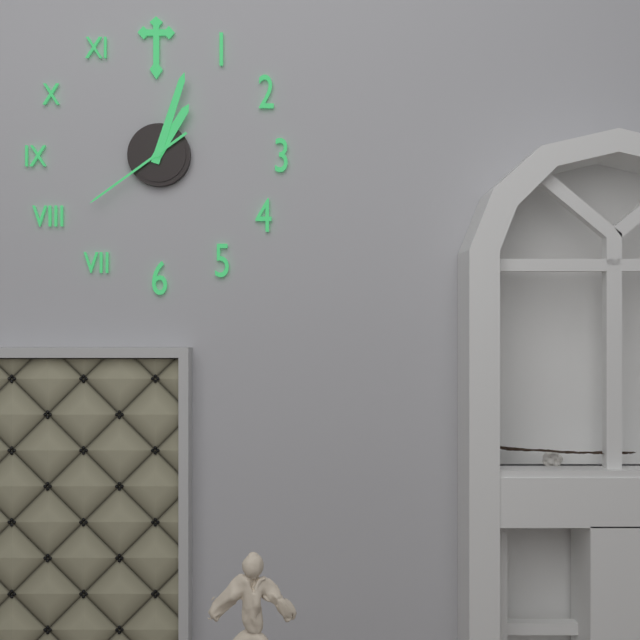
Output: **1:03:39**
